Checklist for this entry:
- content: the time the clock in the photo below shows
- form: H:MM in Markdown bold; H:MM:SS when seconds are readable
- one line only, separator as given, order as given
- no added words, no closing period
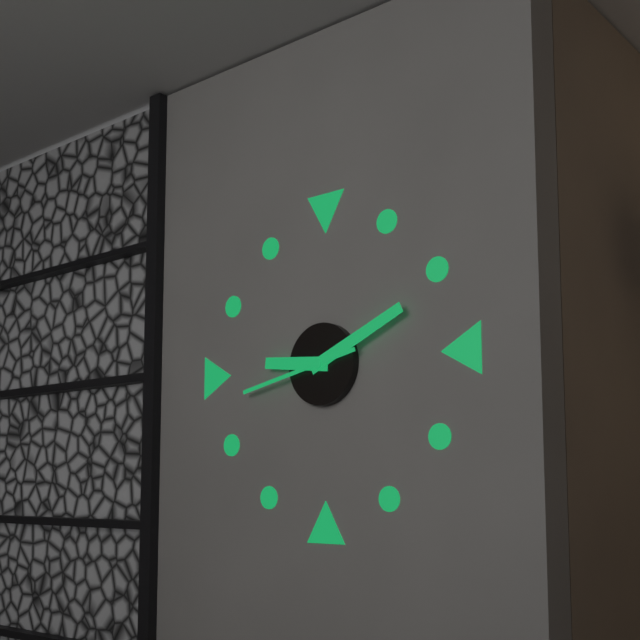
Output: **9:11:43**
